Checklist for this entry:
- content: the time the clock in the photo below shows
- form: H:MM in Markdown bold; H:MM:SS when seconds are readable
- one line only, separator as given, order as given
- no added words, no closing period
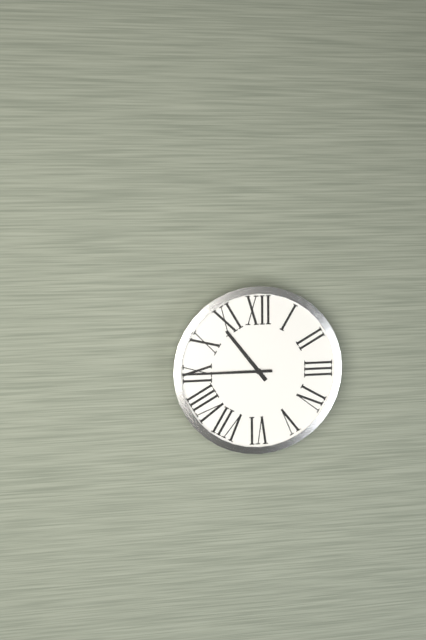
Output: **10:45**
